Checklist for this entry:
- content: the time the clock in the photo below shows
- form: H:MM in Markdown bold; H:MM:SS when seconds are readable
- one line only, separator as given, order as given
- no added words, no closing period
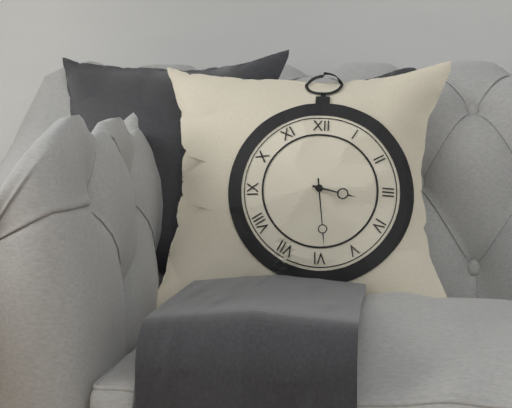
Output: **3:29**
